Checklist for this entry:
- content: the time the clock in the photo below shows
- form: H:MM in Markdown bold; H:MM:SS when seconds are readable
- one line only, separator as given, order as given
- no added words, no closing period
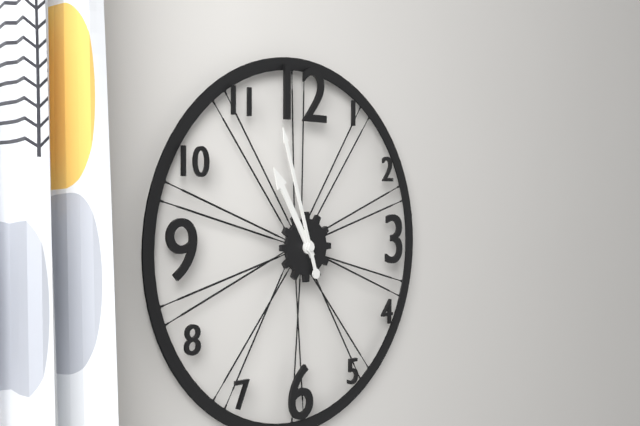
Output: **10:57**
